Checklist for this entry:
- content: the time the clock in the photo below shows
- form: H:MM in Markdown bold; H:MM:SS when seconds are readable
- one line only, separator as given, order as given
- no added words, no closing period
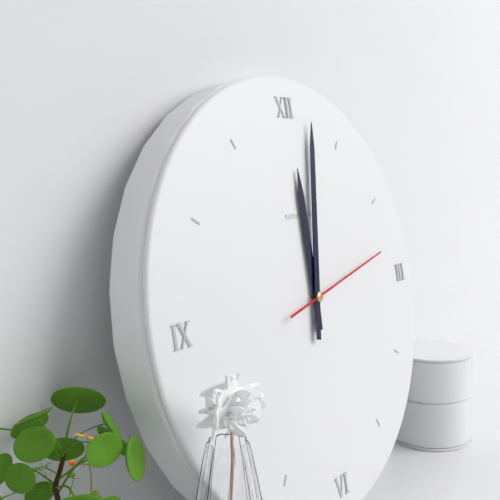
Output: **12:02:13**
